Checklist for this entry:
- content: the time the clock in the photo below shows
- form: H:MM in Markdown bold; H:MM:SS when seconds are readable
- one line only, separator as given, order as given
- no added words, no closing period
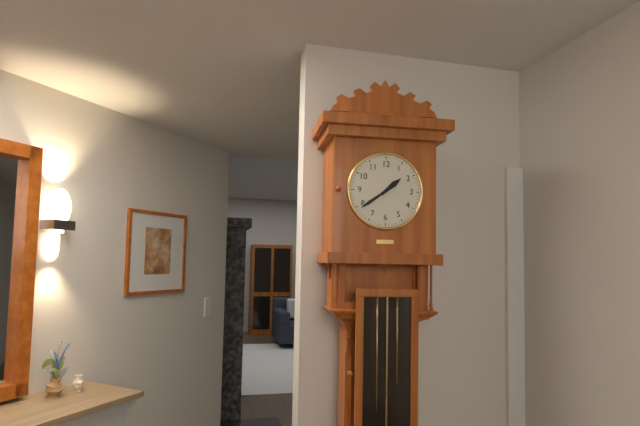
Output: **1:39**
